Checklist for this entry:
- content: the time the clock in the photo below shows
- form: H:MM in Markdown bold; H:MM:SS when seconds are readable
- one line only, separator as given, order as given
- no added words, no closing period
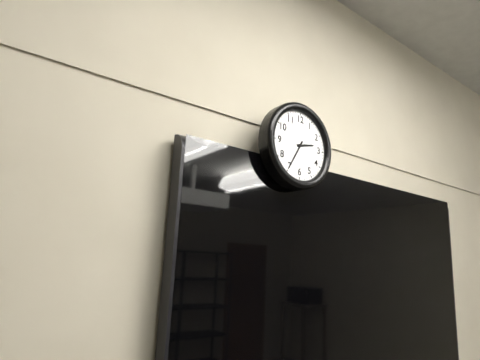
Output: **2:35**
